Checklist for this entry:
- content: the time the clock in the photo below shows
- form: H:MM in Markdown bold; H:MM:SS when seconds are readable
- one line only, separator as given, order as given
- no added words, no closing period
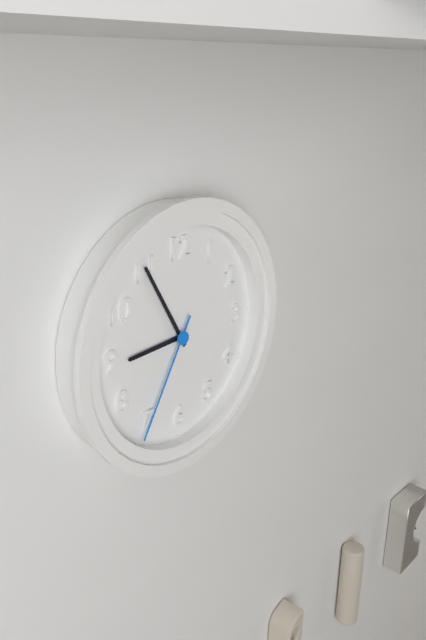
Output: **8:55:35**
